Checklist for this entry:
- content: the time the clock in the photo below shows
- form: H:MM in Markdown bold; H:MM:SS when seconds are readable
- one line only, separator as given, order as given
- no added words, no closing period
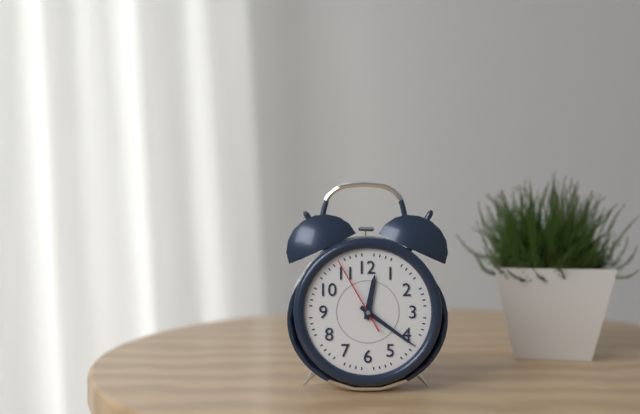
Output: **12:21:55**
